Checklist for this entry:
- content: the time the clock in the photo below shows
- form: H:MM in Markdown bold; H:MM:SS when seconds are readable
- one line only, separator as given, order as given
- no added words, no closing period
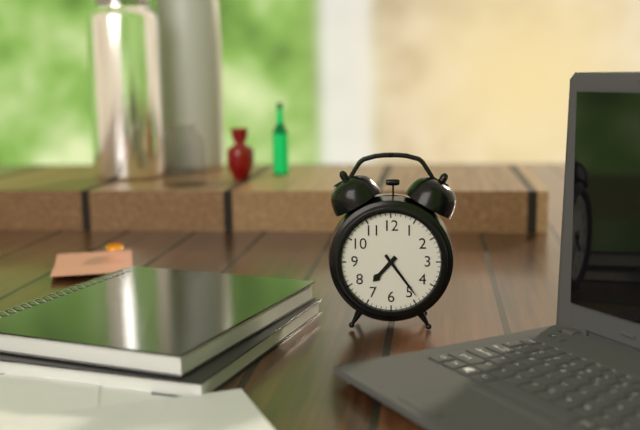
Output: **7:24**
